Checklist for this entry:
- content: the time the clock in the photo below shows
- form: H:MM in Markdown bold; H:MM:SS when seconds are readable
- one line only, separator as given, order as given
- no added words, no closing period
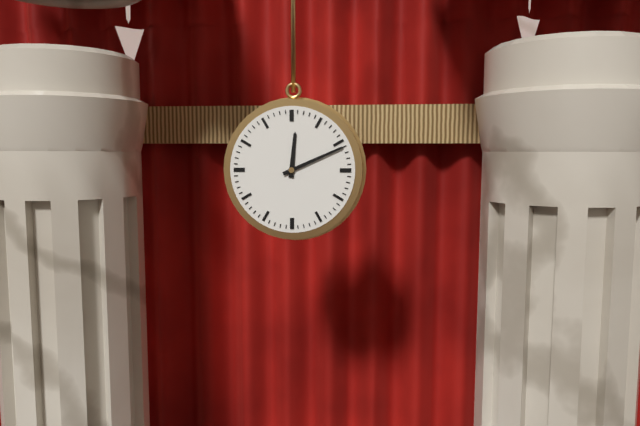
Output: **12:11**
